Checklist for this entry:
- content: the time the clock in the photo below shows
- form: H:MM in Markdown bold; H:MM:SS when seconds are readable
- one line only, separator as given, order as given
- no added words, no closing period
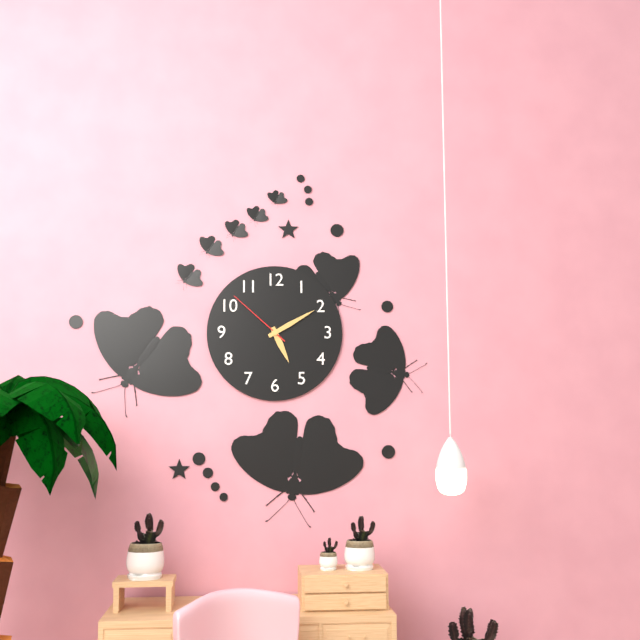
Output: **5:10:52**
